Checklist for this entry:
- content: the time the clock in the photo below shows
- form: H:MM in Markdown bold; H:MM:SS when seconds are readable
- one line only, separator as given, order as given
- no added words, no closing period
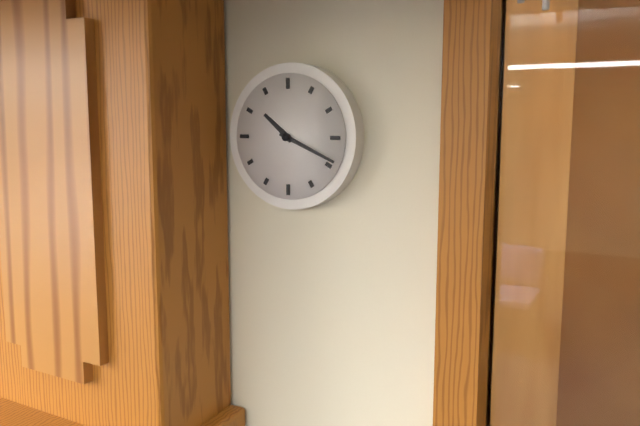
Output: **10:19**
